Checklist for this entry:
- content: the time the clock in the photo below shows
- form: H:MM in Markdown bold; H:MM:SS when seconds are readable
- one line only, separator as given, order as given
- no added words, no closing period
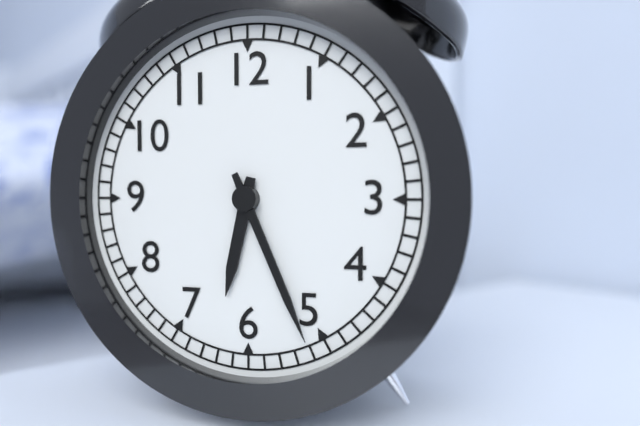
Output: **6:26**
